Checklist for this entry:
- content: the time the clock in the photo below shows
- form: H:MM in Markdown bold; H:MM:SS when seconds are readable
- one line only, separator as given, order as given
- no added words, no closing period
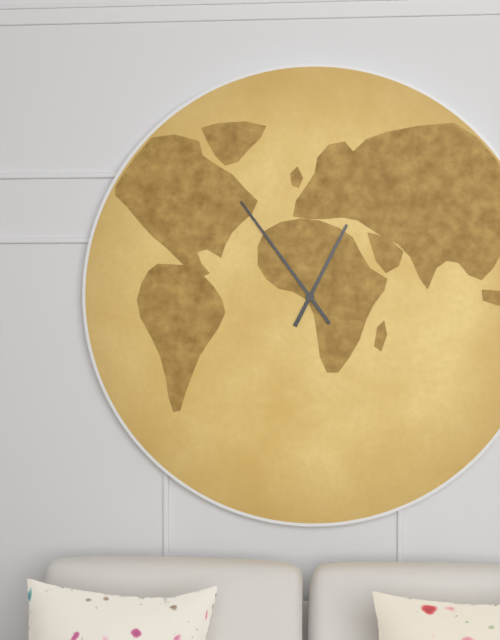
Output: **12:54**
